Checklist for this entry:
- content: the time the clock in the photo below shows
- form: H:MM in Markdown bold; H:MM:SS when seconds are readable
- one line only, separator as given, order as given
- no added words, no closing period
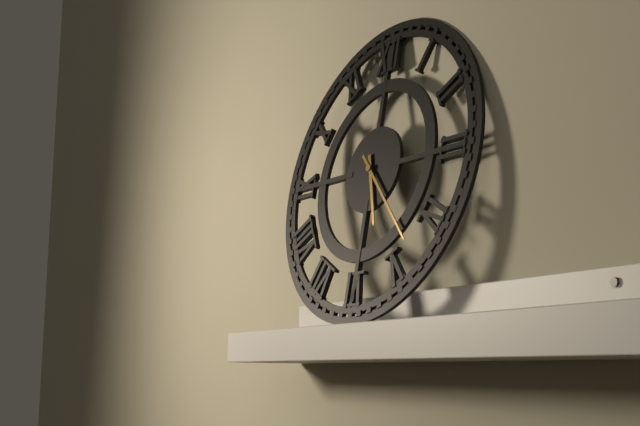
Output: **5:23**
